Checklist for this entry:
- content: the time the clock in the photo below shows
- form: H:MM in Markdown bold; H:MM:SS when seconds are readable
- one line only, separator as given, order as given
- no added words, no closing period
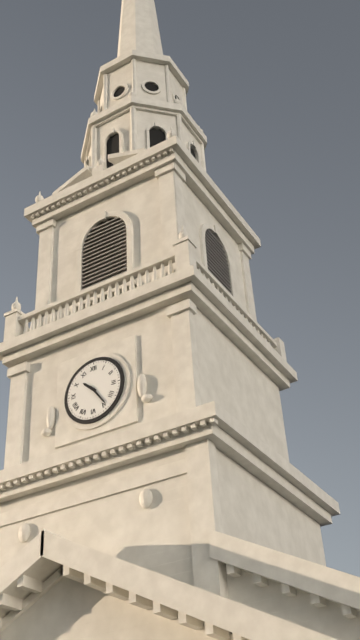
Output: **10:24**
